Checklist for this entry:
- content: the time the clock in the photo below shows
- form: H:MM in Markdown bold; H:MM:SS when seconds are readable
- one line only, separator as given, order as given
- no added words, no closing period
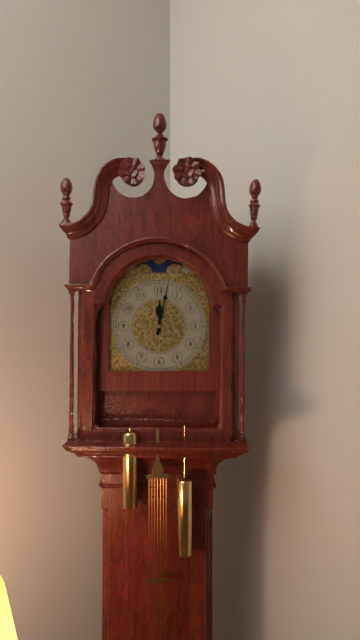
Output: **12:02**
